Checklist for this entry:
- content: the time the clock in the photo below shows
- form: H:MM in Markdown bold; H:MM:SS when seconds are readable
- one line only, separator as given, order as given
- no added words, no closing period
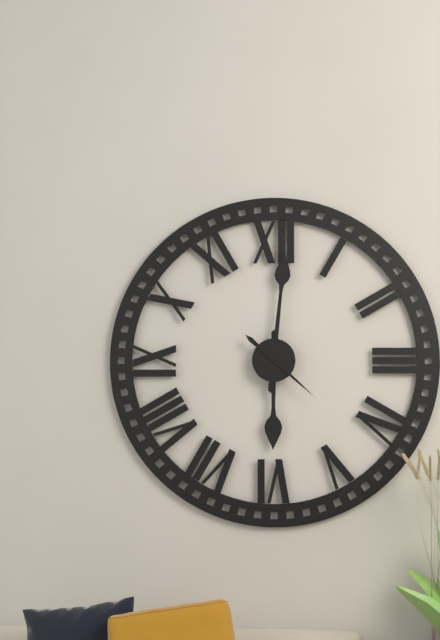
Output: **6:01:22**
